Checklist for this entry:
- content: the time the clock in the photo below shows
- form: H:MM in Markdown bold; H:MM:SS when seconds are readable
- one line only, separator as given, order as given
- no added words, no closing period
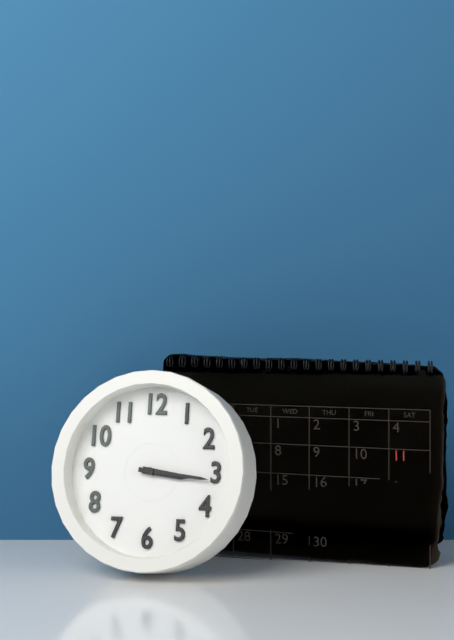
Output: **3:16**
